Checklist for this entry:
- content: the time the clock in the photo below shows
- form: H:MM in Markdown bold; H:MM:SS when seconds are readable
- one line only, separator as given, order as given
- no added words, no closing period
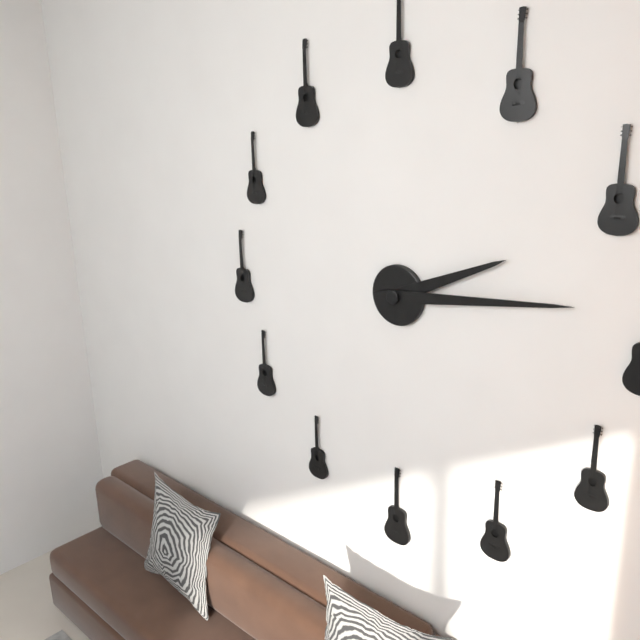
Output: **2:14**
